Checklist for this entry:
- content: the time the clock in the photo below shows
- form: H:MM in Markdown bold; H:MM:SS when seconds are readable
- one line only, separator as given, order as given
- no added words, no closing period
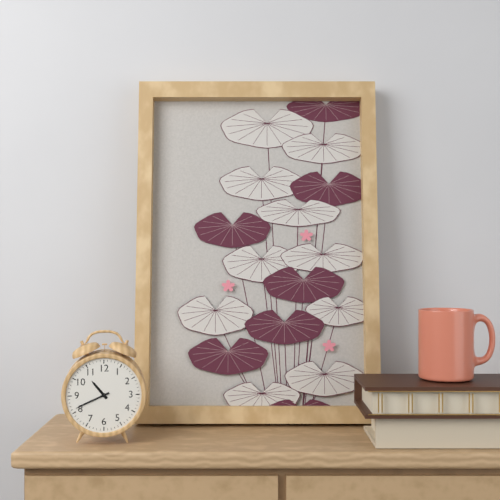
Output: **10:41**
